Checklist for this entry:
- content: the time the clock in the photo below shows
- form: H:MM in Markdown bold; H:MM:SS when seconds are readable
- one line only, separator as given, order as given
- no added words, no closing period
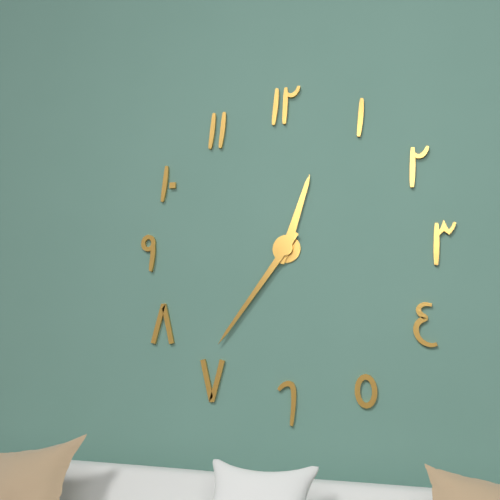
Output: **12:36**
